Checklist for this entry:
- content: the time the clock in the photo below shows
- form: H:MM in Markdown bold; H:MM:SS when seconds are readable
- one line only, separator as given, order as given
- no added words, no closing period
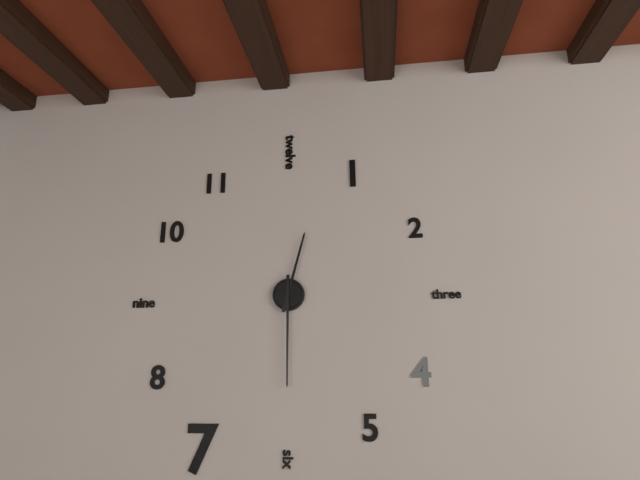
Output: **12:30**
